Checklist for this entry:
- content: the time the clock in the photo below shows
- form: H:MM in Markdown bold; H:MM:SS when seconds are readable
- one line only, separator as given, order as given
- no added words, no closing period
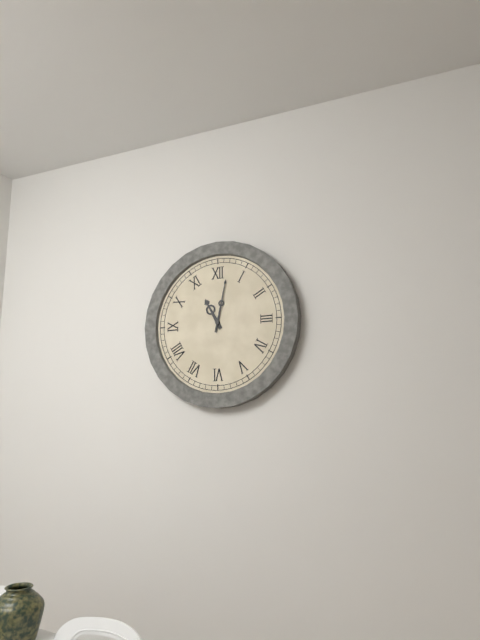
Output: **11:02**
